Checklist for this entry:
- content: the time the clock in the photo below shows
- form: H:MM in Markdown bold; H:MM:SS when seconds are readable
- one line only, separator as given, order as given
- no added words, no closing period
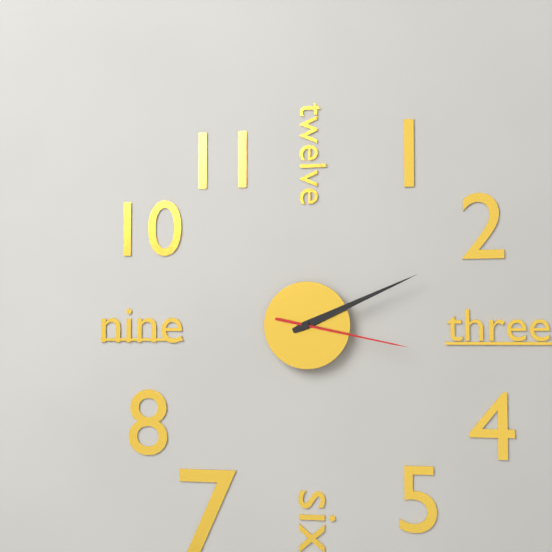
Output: **2:11:17**
